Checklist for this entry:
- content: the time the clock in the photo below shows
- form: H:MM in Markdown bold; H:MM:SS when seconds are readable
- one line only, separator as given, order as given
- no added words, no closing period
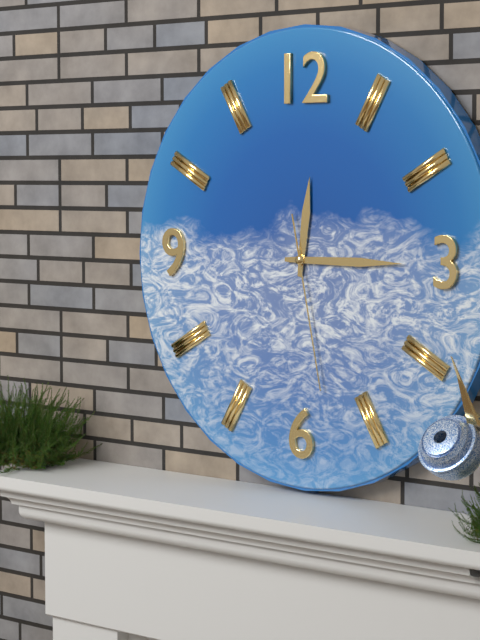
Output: **12:15:28**
